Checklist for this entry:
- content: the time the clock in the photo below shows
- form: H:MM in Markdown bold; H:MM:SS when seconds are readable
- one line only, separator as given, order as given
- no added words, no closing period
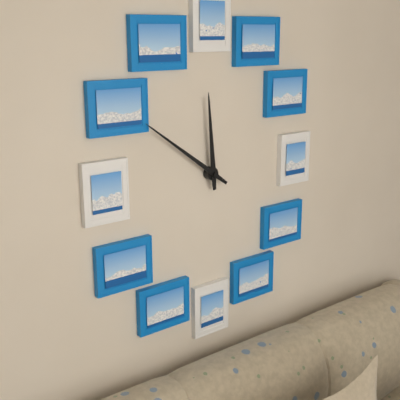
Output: **11:51**
